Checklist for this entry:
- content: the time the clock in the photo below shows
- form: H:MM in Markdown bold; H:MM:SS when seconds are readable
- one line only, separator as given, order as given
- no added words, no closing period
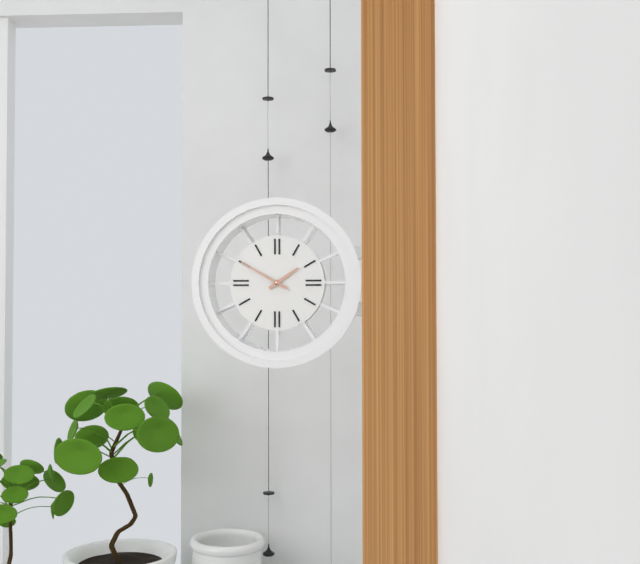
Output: **1:50**
